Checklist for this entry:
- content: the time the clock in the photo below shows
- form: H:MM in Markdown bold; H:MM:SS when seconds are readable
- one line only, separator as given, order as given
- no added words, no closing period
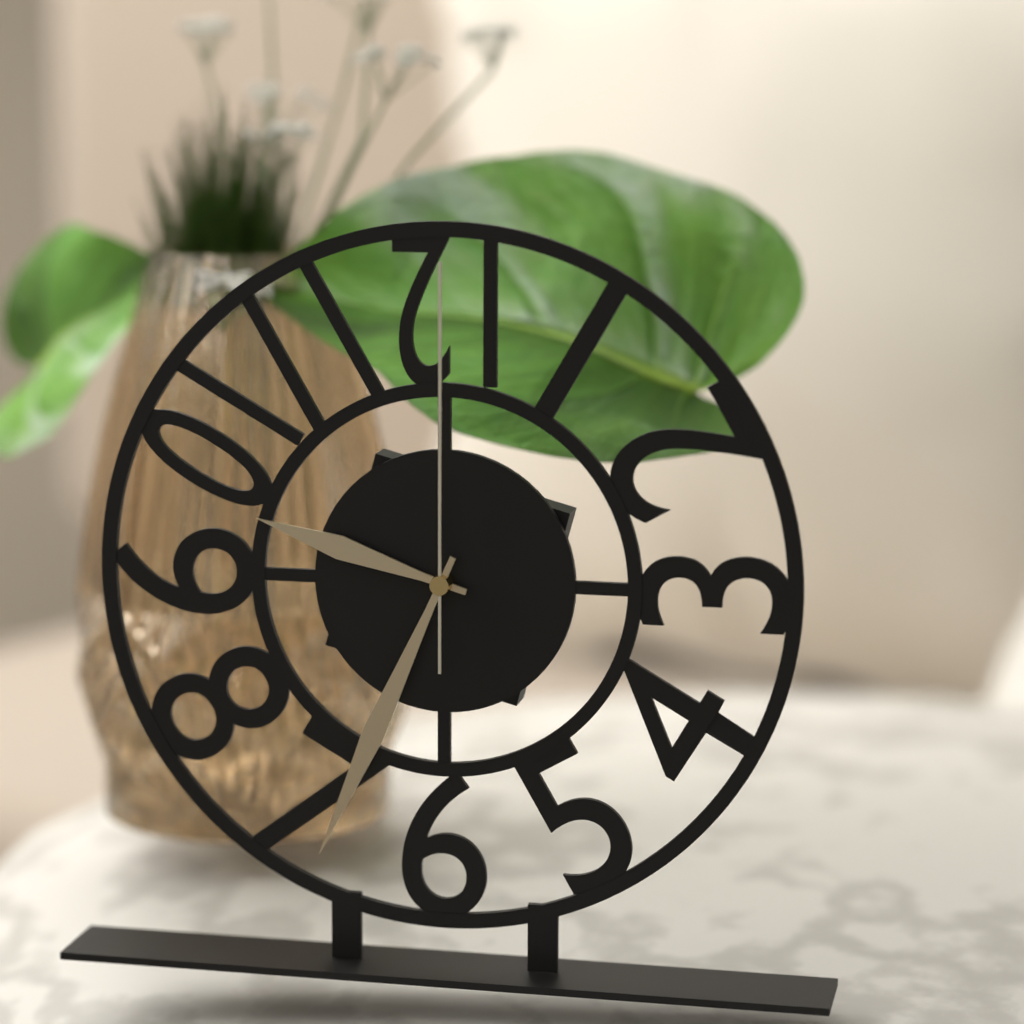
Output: **9:34:00**
